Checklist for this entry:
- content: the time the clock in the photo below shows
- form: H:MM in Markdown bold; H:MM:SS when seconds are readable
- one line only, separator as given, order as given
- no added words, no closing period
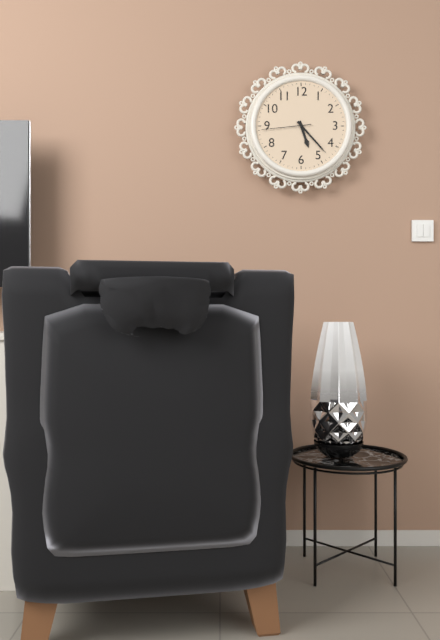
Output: **5:23:44**
